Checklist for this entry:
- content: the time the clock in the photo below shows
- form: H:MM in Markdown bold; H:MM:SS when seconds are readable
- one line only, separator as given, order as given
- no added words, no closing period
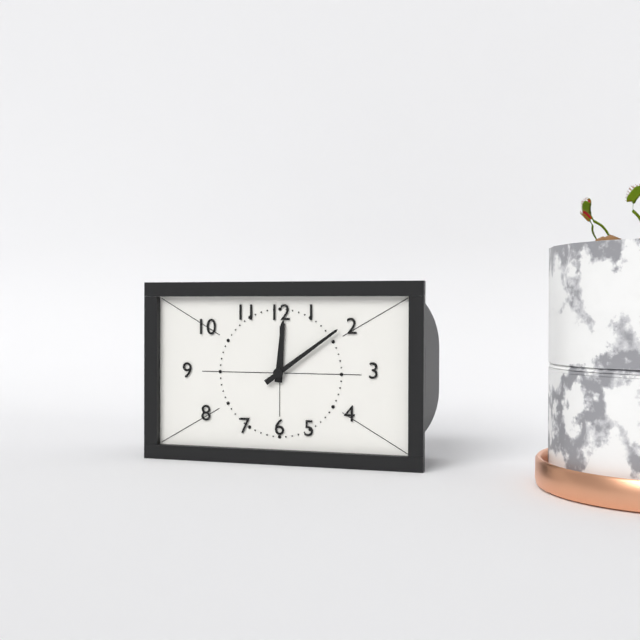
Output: **12:09**
